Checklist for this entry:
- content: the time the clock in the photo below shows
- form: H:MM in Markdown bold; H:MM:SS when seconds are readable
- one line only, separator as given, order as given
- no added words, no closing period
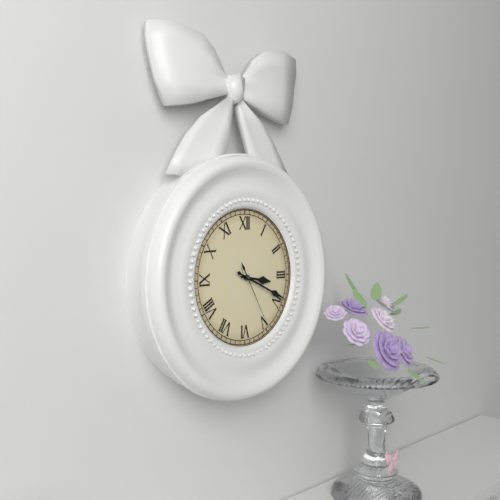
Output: **3:19:25**
